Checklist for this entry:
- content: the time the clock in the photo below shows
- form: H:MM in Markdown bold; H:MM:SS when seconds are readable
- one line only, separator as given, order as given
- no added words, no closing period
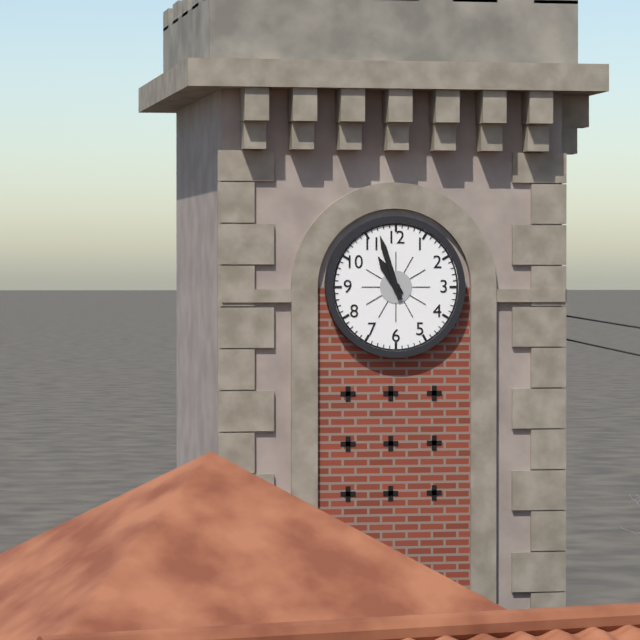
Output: **10:57**
